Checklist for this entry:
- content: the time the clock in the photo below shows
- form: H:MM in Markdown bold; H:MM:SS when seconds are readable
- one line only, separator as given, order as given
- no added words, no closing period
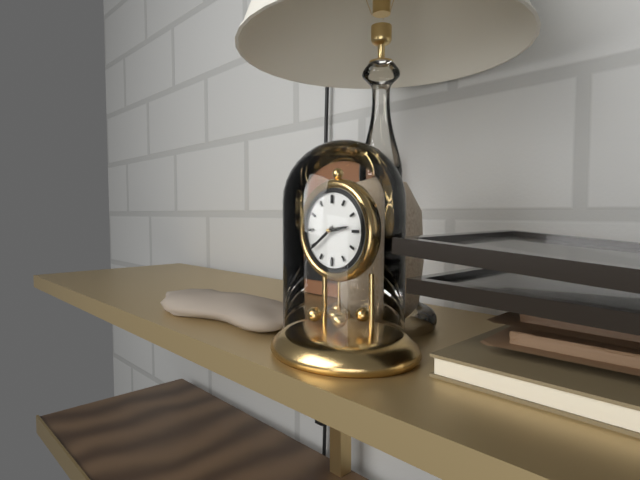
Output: **2:39**
